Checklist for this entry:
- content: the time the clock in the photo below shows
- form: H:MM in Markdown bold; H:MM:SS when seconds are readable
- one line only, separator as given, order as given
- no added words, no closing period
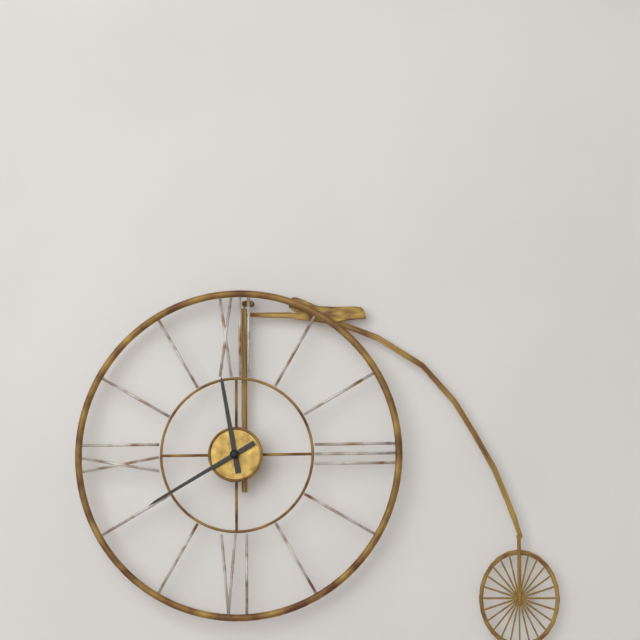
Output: **11:40**
